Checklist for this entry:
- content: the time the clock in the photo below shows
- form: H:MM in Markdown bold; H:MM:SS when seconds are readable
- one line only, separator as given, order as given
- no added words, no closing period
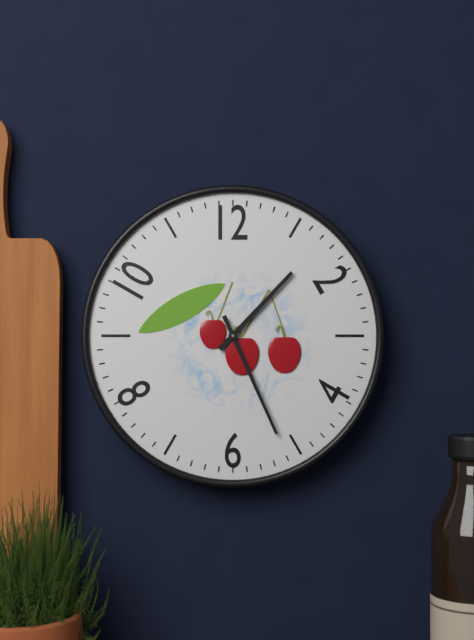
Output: **1:26**
